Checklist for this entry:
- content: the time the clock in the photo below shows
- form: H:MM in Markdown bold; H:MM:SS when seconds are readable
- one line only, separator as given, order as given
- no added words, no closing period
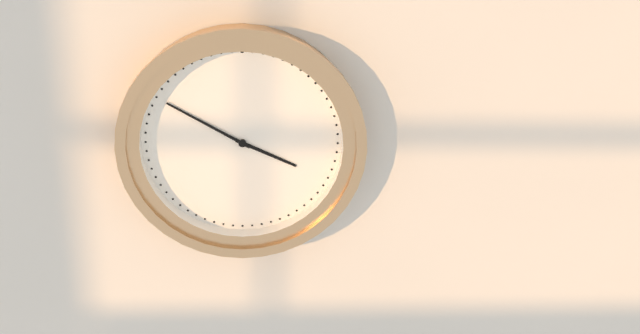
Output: **3:50**
